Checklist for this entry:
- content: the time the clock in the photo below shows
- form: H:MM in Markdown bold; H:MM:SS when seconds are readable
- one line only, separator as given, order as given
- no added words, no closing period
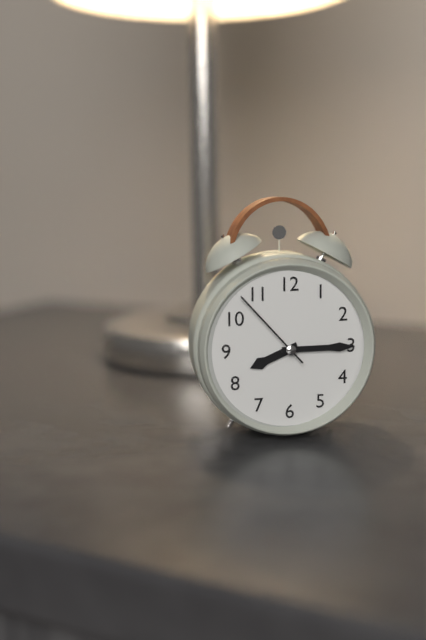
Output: **8:15:53**
